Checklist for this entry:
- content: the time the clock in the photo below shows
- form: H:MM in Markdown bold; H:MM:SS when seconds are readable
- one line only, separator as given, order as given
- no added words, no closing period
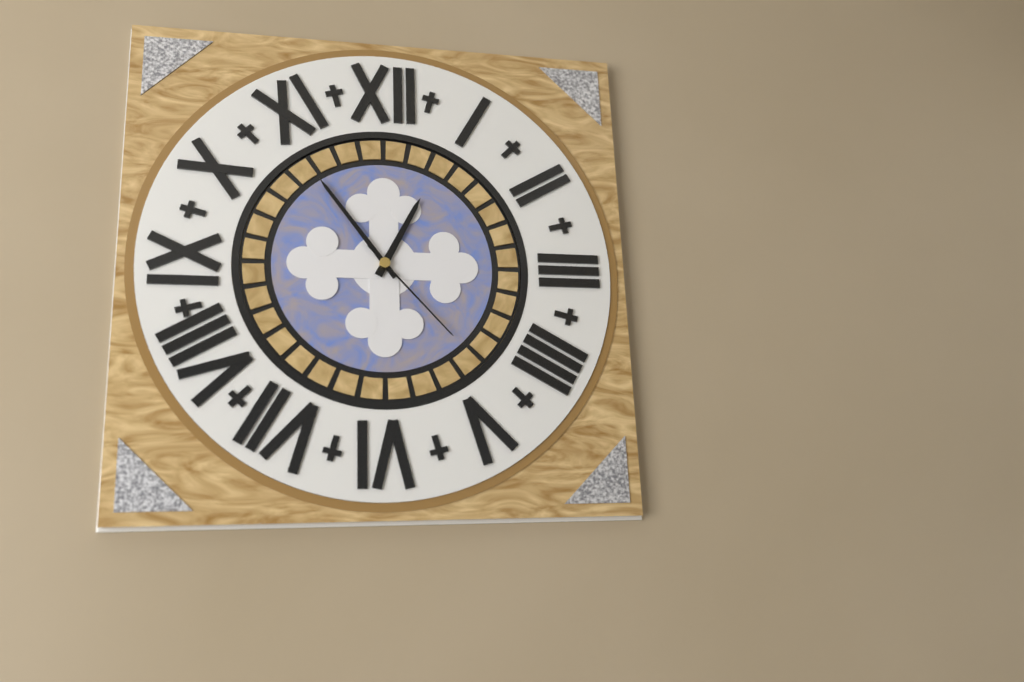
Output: **12:54:23**
